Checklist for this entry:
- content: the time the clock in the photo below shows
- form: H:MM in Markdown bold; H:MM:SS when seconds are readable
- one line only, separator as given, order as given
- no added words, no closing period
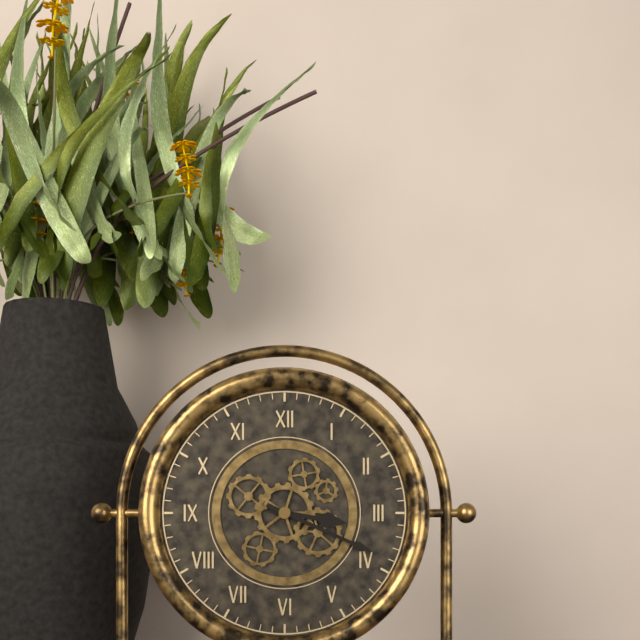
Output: **3:19**
